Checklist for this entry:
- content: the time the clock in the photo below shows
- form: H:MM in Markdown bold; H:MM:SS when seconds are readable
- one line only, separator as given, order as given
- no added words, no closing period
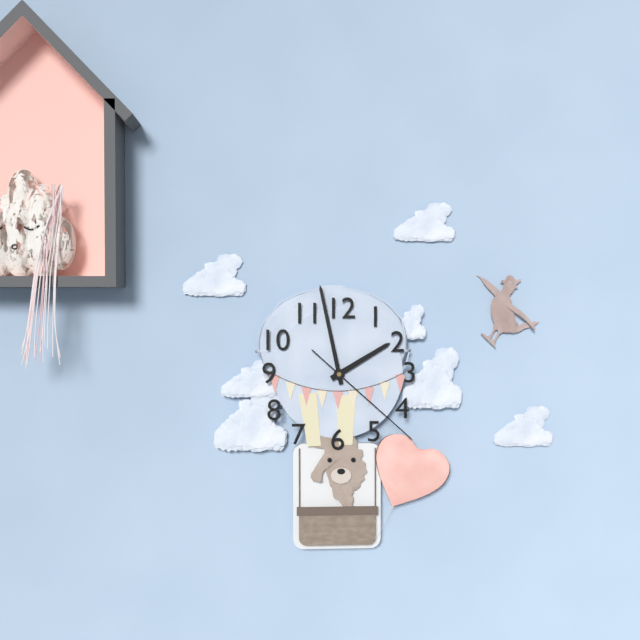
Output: **1:58:22**
